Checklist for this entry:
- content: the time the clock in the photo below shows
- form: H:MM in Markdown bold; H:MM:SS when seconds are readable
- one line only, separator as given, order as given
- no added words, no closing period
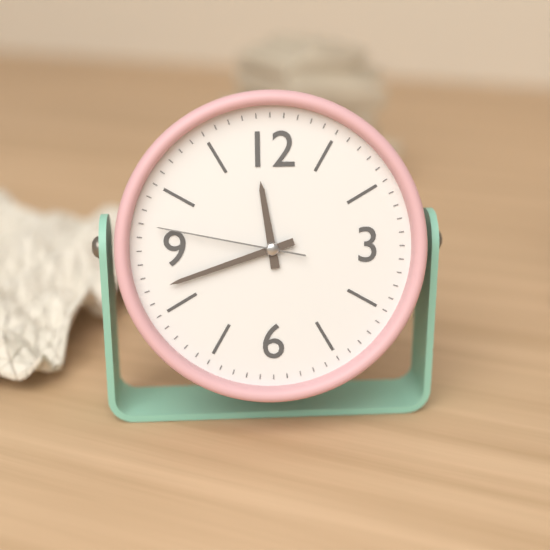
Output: **11:42:47**
